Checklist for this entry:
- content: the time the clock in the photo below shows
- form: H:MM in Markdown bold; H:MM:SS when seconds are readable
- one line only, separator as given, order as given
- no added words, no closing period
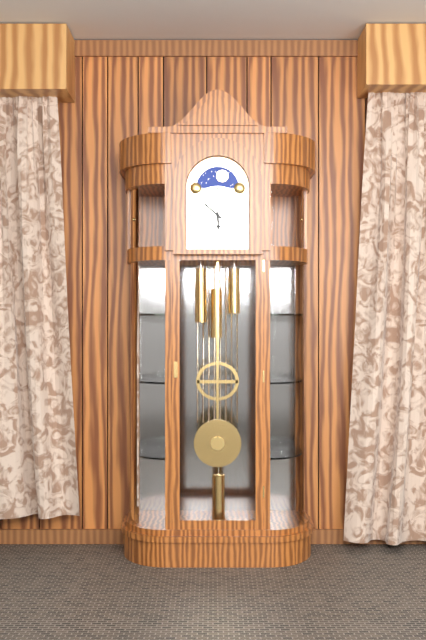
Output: **5:52**
